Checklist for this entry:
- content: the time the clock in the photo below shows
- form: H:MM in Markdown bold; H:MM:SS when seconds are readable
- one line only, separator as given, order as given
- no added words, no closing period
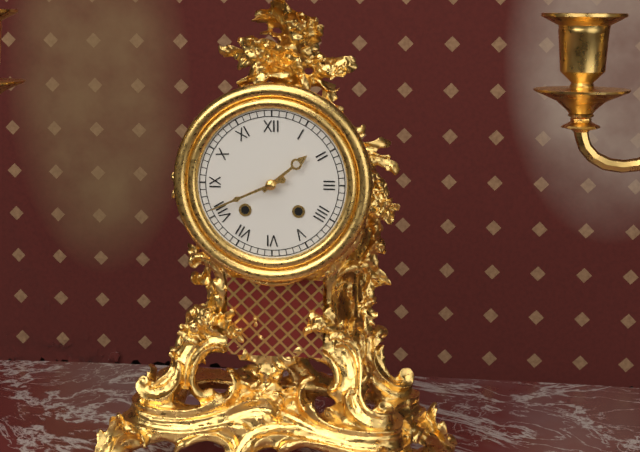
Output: **1:41**
